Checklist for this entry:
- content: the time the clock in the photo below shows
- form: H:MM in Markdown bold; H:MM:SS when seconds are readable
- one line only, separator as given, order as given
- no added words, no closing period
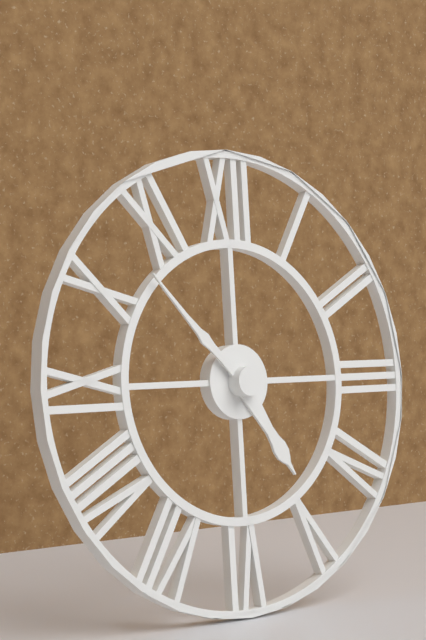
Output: **4:52**
